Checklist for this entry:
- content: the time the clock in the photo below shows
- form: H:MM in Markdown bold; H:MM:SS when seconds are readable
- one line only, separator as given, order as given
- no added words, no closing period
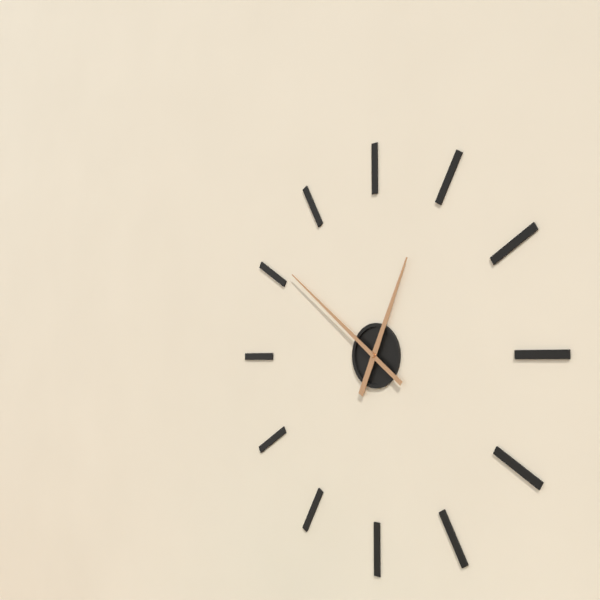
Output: **12:51**
